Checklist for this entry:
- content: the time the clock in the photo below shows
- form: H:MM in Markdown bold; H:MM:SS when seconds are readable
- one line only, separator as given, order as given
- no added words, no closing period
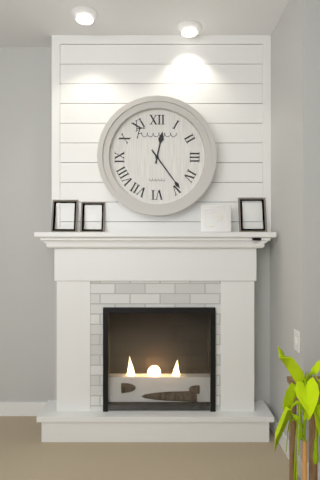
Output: **12:24**
